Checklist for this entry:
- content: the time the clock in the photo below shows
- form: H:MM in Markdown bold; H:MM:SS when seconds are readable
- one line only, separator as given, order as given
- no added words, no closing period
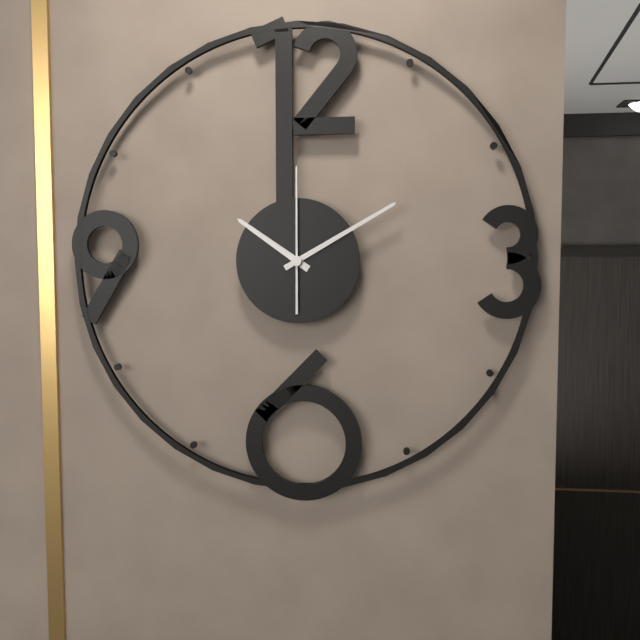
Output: **10:10:00**
